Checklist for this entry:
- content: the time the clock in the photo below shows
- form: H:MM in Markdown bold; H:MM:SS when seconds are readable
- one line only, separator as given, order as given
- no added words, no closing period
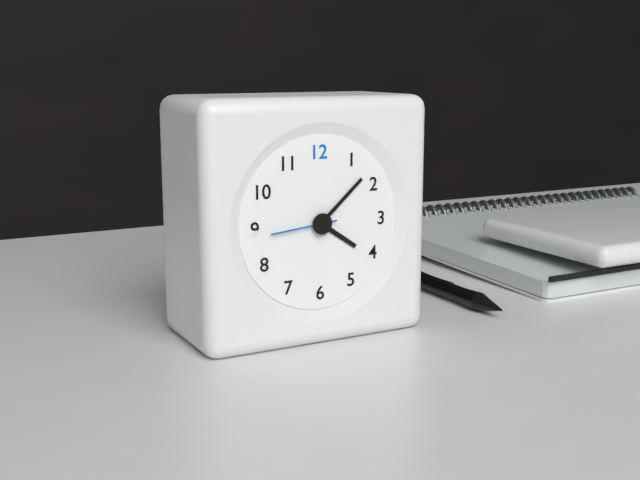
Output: **4:08:44**
